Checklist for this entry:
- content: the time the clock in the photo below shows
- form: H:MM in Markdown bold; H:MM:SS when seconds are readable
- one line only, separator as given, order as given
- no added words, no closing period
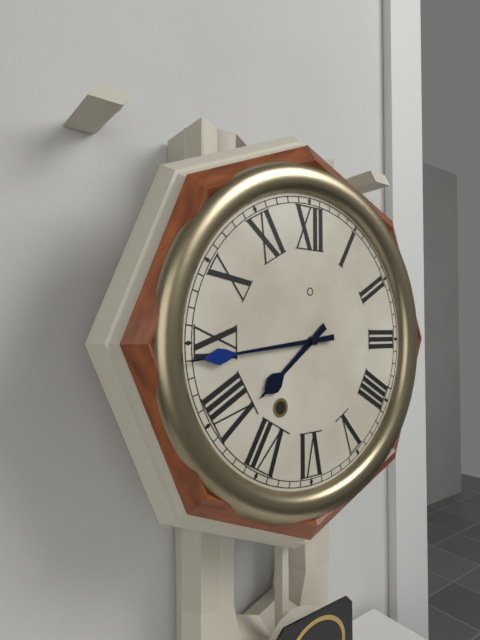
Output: **7:44**
